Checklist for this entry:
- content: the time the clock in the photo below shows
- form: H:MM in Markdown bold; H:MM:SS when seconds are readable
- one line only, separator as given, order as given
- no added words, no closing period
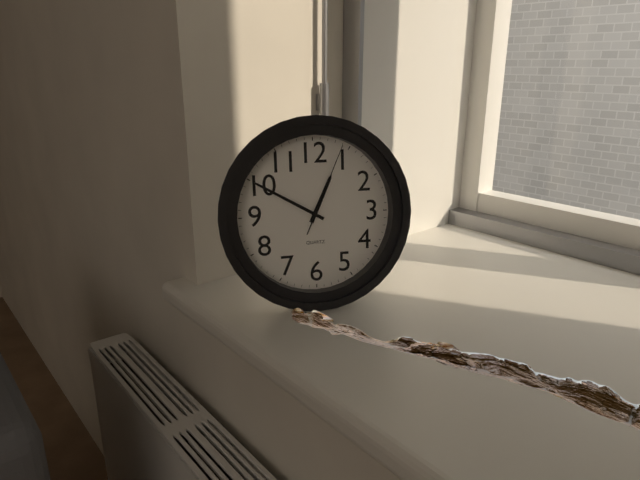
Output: **12:50:04**
